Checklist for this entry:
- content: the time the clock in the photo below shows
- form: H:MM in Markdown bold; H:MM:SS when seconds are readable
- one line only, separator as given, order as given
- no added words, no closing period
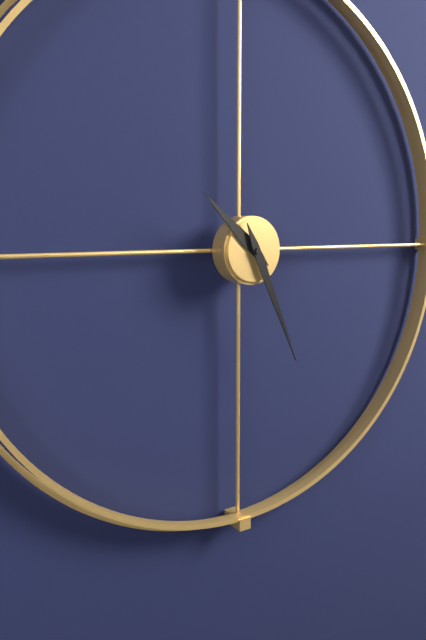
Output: **10:26**
